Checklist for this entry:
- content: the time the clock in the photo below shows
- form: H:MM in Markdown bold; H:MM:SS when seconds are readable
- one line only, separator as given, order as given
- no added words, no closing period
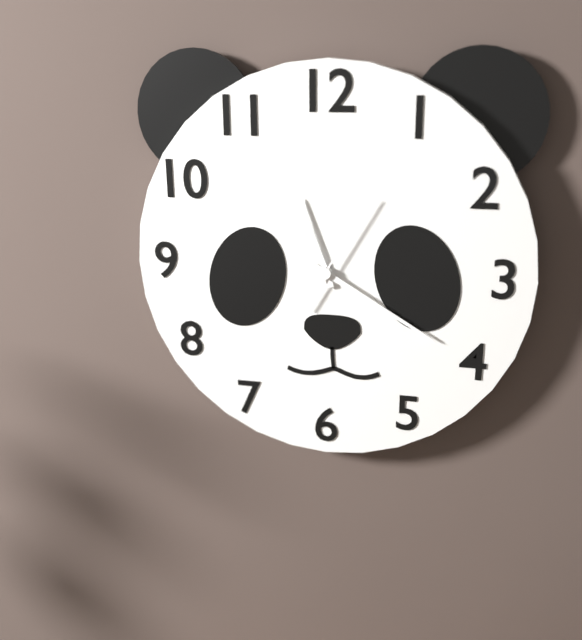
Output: **11:20:05**
